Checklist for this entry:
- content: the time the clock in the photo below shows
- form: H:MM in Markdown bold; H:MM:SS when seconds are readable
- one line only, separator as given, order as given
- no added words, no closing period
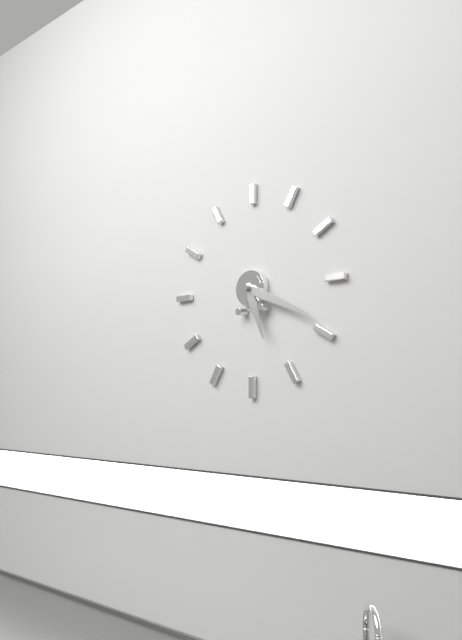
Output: **5:19**
